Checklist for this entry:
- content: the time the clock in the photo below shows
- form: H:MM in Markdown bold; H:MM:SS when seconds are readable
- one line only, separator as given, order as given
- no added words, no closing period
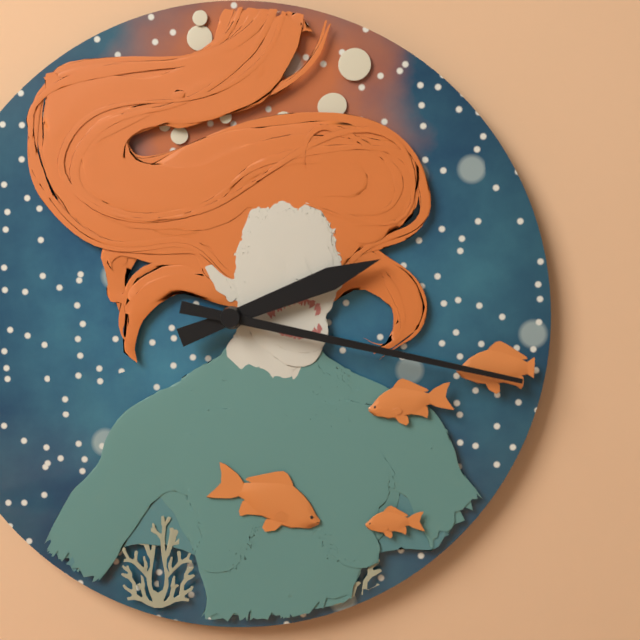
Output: **2:17**
